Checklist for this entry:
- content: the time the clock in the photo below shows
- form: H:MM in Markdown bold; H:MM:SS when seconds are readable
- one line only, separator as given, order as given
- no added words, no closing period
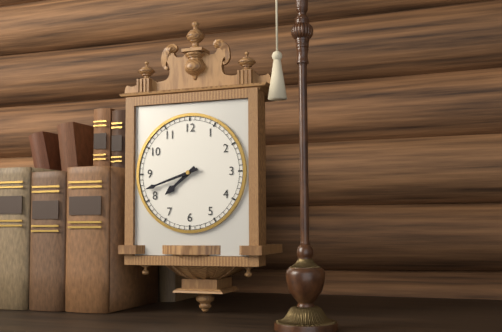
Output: **7:42**
